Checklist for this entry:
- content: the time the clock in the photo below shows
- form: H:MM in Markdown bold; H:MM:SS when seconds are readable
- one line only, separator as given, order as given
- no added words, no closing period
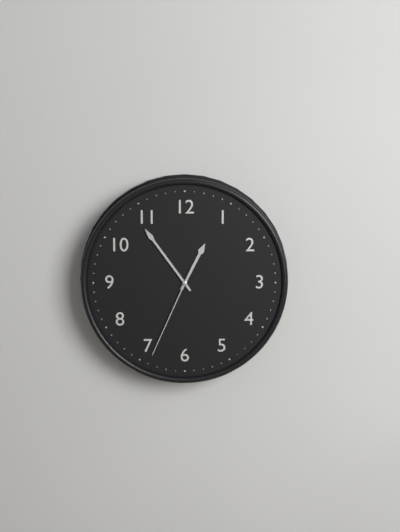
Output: **12:54:34**
